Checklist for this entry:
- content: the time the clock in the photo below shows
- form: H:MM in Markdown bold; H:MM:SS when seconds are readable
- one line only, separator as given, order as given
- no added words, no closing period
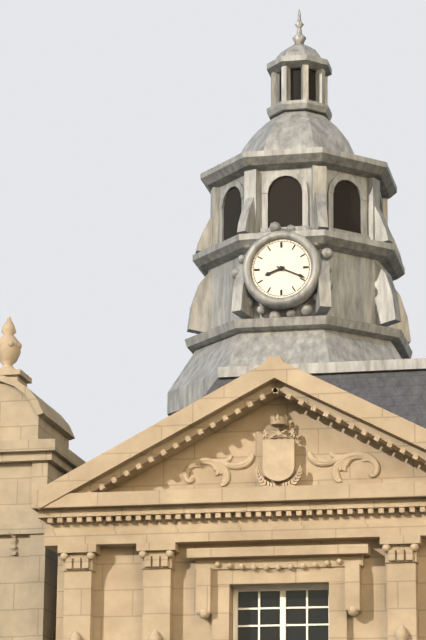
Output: **8:19**
